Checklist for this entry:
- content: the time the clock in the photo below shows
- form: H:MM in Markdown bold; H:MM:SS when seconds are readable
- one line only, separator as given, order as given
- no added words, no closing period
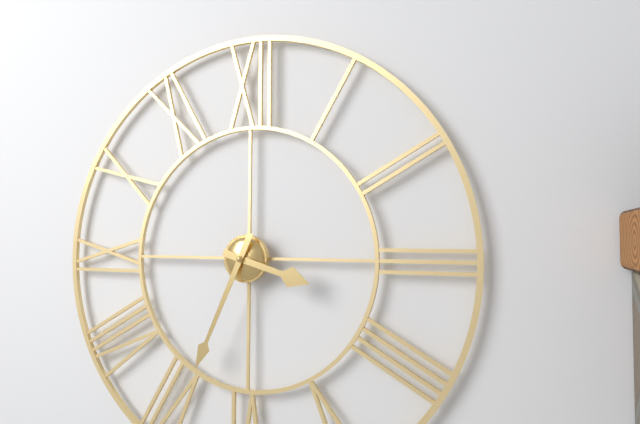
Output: **3:34**
